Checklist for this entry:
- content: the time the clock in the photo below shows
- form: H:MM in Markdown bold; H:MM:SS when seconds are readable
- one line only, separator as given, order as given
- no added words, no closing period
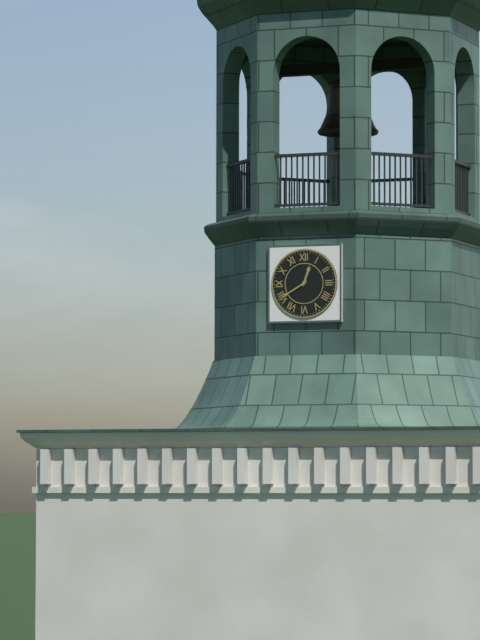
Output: **12:40**
